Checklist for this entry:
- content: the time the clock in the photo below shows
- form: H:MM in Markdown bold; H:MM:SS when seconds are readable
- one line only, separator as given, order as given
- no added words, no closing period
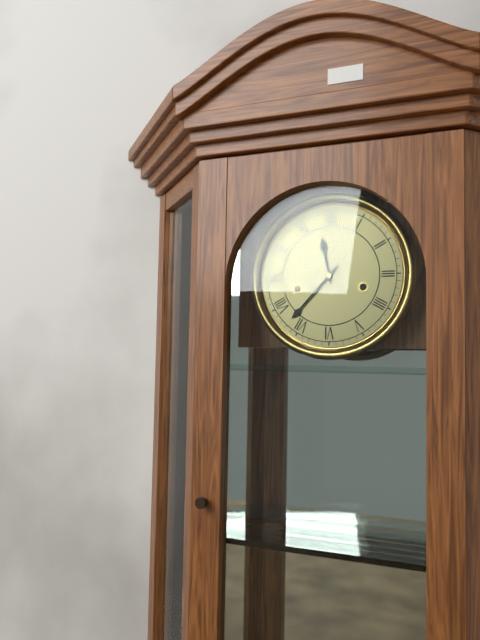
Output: **11:37**
